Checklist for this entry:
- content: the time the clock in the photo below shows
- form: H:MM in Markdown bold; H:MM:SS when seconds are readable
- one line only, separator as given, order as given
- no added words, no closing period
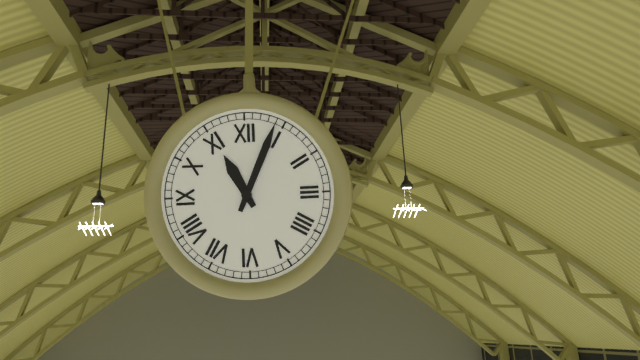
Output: **11:04**
